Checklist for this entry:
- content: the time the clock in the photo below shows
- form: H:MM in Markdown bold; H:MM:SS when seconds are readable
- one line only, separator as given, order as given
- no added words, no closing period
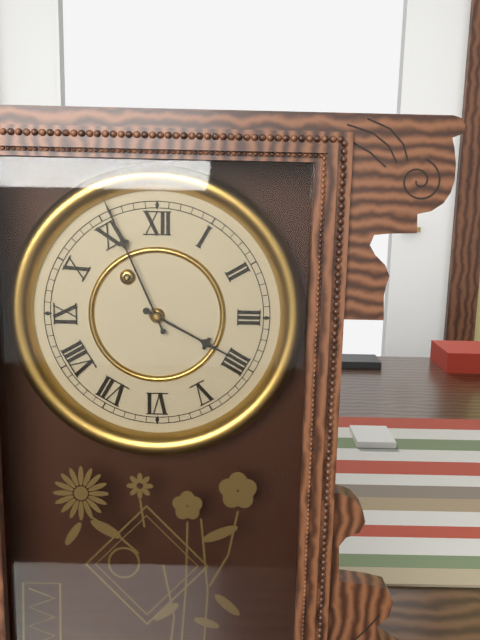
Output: **3:56**
